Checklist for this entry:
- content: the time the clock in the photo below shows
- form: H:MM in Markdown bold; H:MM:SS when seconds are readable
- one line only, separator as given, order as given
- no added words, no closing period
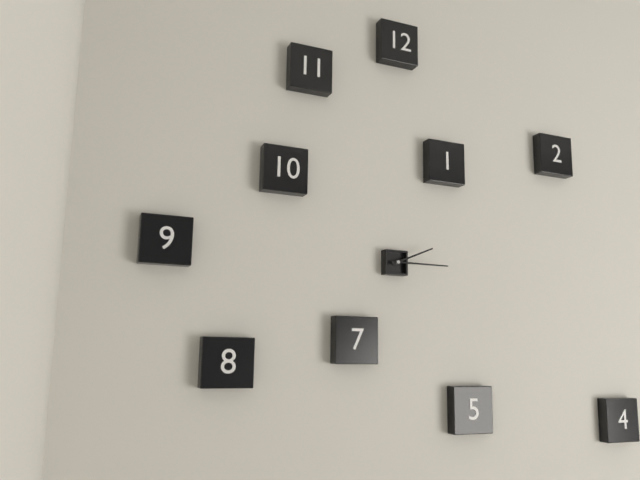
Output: **2:15**
